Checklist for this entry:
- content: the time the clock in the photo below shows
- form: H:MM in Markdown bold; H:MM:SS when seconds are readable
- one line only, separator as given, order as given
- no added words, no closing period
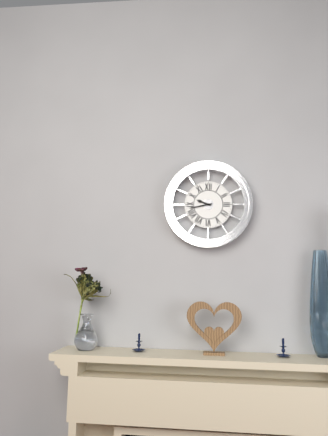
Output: **9:43**
